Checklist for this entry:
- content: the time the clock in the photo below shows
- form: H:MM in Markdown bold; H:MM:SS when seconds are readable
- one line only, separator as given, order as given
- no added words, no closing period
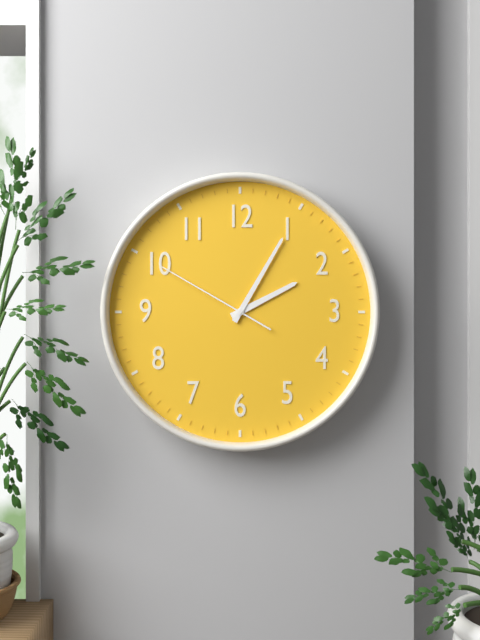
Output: **2:05:50**
